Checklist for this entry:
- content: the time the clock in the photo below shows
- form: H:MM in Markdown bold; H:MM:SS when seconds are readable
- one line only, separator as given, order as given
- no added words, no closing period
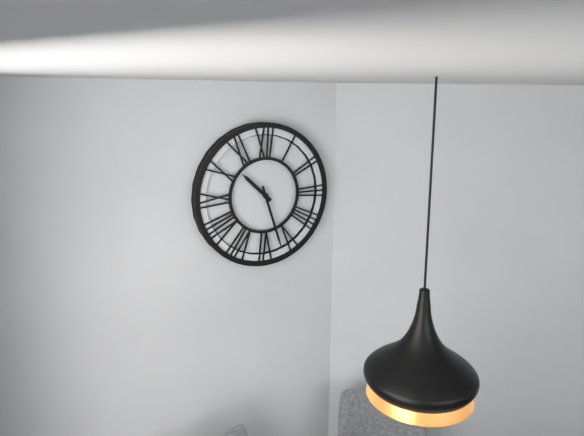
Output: **10:27**
